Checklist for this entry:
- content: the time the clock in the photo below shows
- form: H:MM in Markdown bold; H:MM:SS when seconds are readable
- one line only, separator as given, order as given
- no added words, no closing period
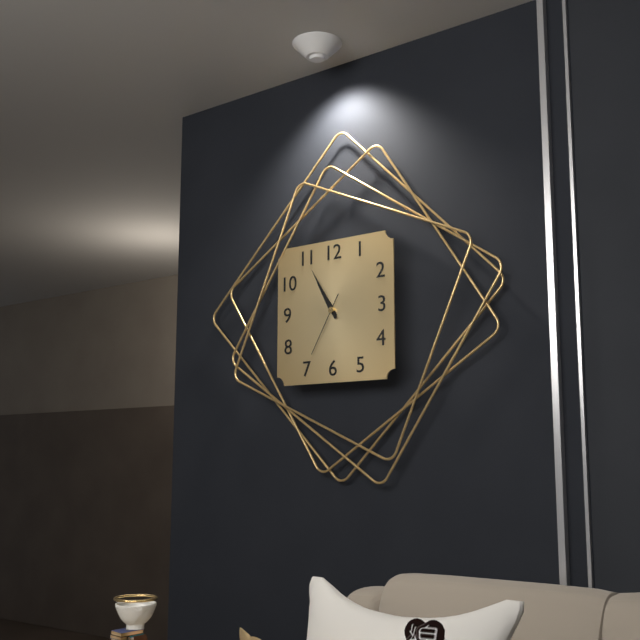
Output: **10:55:35**
